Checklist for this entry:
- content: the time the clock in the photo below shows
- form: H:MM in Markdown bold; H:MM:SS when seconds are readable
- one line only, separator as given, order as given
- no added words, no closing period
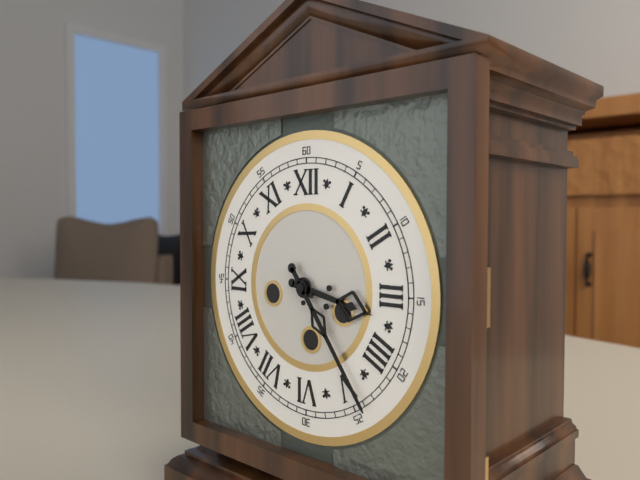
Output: **3:24**
